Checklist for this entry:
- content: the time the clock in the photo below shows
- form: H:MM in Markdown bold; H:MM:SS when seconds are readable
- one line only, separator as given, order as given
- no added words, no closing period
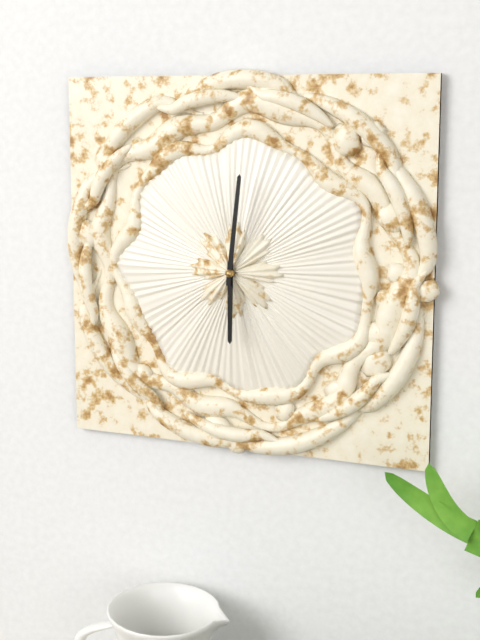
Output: **6:01**
